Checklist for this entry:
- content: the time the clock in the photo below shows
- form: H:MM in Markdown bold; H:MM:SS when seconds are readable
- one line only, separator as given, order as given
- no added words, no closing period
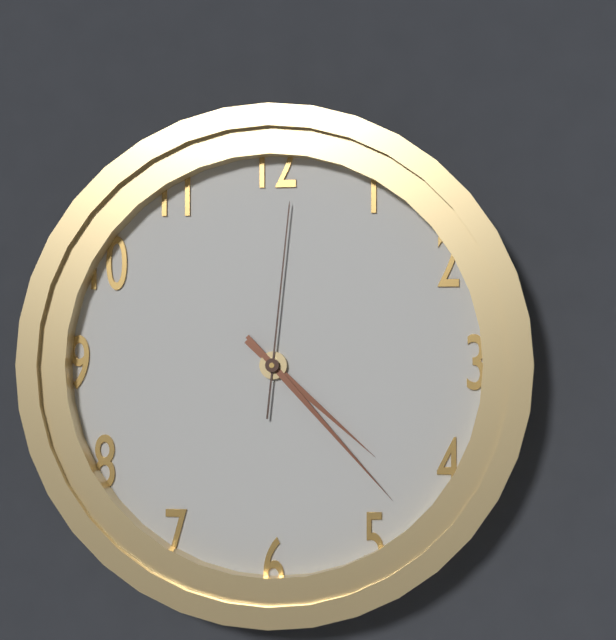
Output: **4:23:01**
